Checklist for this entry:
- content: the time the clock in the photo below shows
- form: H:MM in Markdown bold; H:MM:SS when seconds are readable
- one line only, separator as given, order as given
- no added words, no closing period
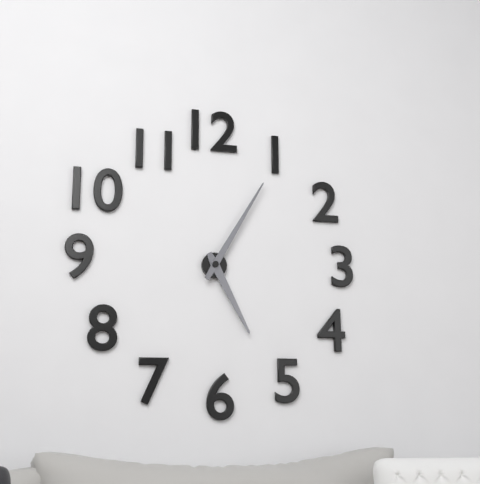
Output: **5:05**
